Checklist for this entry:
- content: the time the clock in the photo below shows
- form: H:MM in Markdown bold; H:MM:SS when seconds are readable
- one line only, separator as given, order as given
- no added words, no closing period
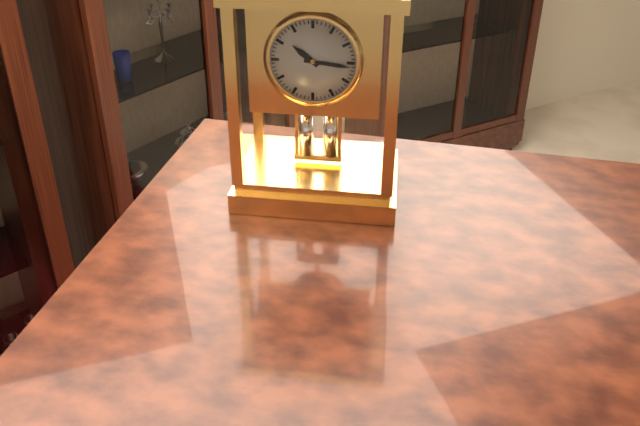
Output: **10:16**
